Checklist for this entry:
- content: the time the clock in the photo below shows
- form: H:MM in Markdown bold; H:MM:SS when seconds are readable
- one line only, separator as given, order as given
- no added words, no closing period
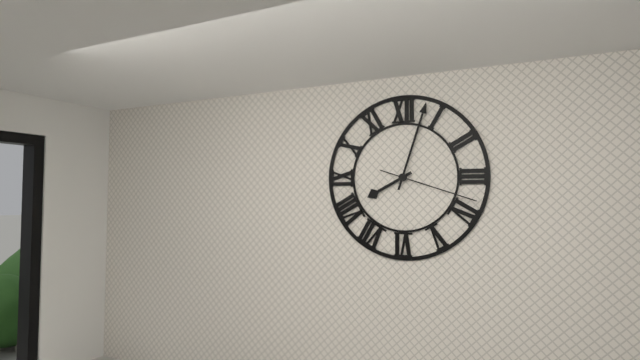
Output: **8:03:18**
